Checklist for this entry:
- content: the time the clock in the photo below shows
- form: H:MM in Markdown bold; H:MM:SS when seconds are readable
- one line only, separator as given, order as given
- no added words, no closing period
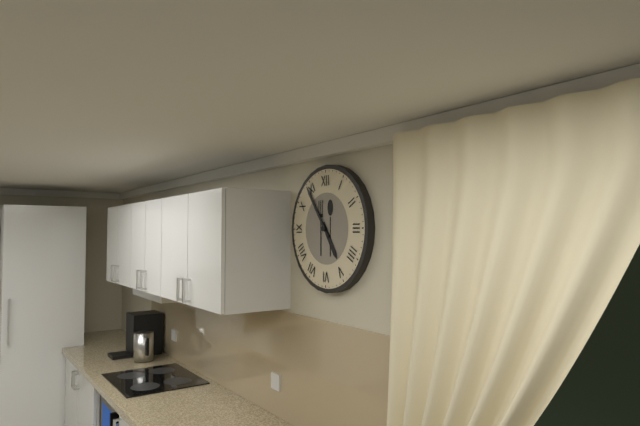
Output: **4:54**
